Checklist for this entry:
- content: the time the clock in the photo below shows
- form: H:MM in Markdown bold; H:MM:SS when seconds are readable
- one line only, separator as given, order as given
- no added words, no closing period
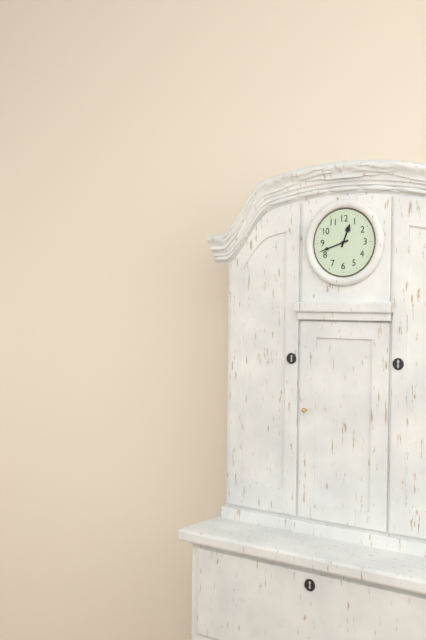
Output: **12:42**
